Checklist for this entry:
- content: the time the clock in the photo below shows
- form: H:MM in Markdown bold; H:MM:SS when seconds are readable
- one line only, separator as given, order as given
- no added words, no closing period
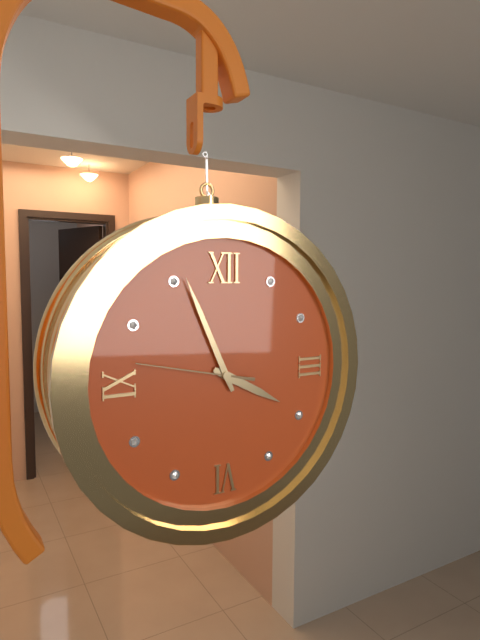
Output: **3:56:47**
